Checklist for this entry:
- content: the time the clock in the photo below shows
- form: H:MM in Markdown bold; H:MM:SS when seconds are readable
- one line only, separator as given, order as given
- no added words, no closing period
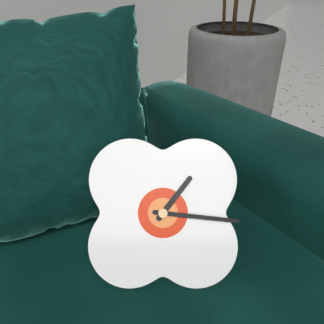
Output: **1:16**
